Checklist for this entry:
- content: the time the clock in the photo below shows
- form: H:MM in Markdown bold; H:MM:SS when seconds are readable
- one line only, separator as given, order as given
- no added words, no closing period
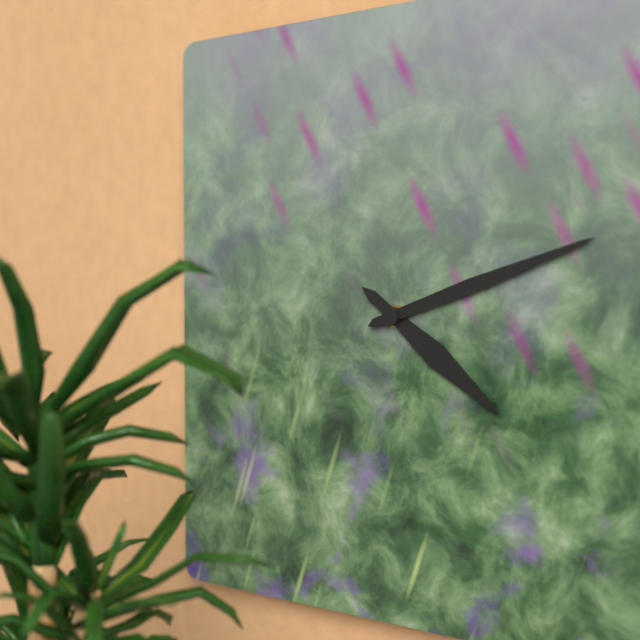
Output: **4:12**
